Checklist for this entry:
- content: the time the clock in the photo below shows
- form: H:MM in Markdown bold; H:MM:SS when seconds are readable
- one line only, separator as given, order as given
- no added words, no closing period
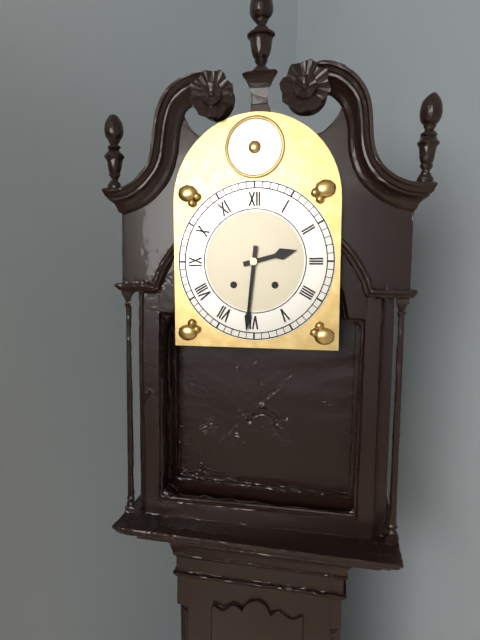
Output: **2:31**
